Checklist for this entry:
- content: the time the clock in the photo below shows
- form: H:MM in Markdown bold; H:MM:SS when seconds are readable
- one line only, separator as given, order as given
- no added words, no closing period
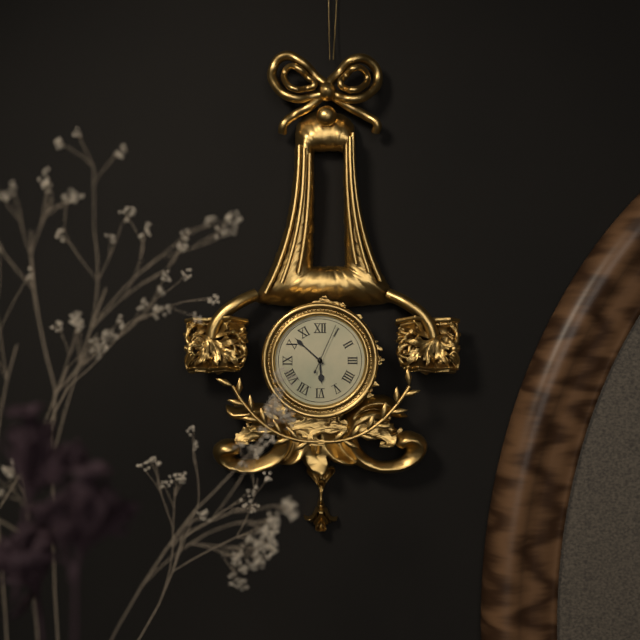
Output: **5:52**
